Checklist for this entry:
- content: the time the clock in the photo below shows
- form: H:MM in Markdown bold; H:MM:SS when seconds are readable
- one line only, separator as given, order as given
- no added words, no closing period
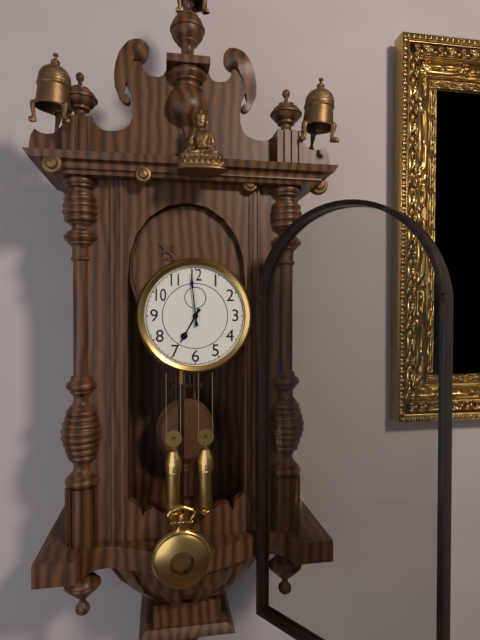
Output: **6:59**
